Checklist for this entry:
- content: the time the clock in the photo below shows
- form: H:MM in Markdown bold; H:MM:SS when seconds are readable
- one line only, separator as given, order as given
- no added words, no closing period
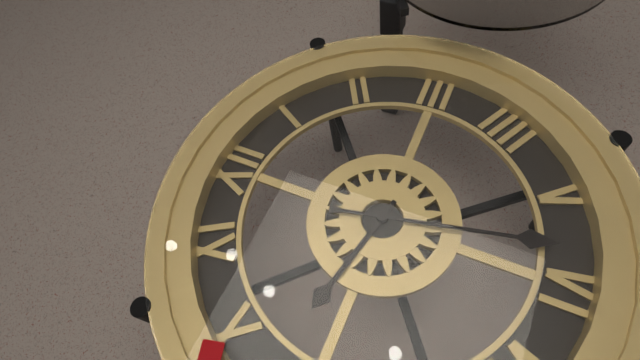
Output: **9:28**
